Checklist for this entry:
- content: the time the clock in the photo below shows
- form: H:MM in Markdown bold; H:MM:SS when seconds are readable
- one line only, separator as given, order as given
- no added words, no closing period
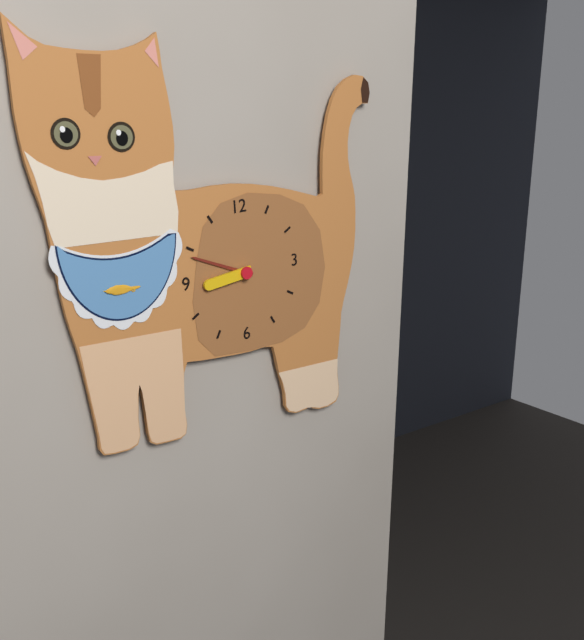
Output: **8:49**
